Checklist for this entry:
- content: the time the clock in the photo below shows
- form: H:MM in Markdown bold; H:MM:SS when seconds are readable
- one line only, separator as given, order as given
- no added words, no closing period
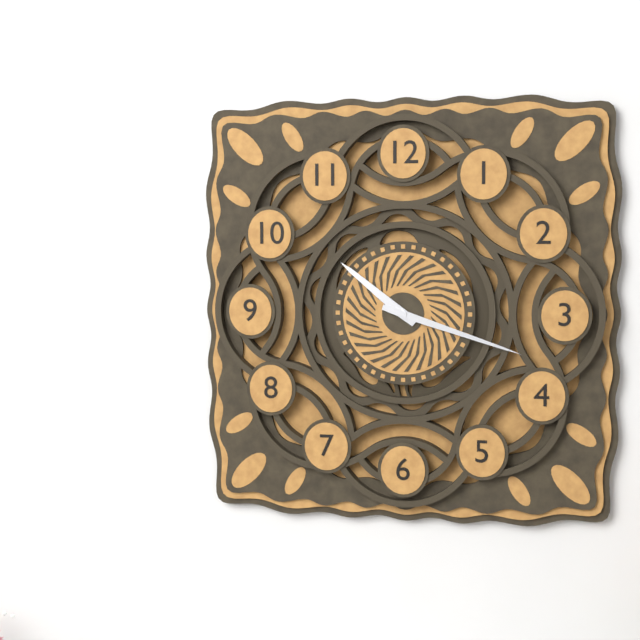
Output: **10:18**
